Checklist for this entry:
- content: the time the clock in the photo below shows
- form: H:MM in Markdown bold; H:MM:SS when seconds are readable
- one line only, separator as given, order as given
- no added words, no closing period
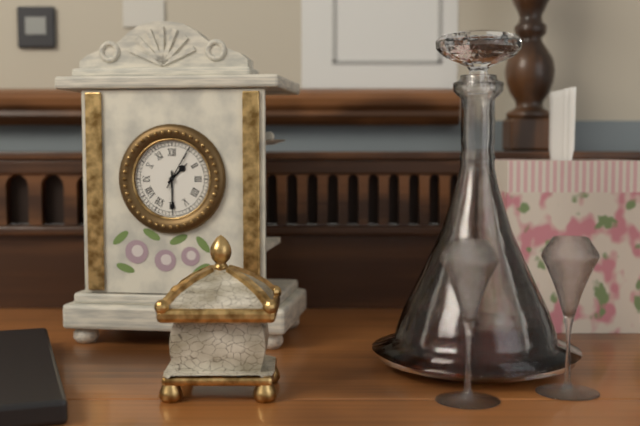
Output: **1:30**
